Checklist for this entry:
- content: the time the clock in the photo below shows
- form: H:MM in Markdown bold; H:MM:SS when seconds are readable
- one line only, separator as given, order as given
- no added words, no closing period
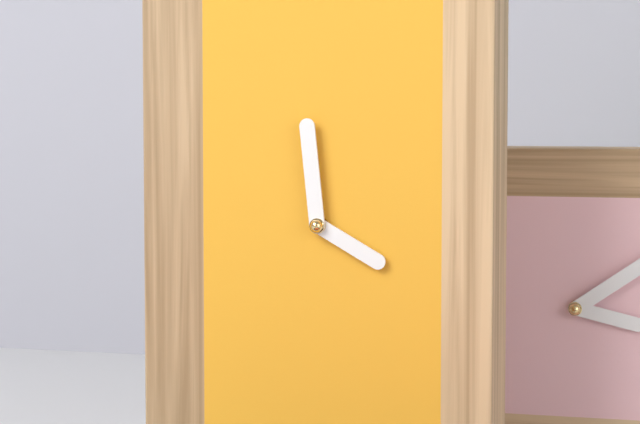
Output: **3:59**
